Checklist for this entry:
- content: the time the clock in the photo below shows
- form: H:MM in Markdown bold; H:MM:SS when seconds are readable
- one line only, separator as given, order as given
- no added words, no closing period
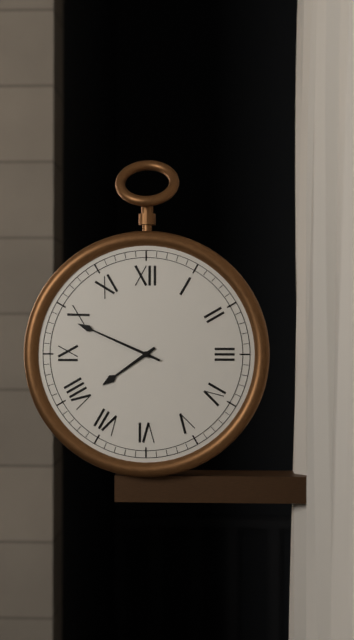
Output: **7:49**
